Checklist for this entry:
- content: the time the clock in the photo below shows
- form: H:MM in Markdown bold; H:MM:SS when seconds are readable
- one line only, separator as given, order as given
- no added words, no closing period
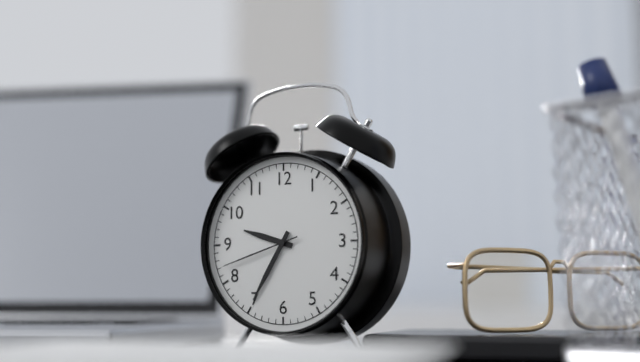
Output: **9:35:42**
